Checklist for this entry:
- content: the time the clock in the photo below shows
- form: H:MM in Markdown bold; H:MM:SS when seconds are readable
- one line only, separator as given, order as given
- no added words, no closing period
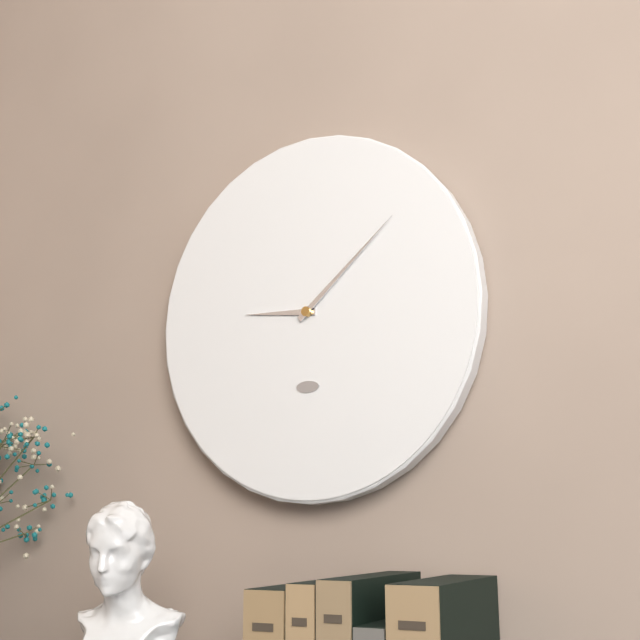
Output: **9:08**
